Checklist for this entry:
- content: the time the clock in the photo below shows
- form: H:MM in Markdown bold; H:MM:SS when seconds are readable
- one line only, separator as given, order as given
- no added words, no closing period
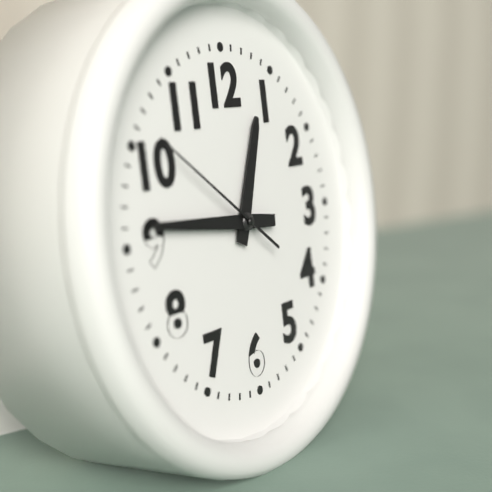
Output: **12:46:51**
